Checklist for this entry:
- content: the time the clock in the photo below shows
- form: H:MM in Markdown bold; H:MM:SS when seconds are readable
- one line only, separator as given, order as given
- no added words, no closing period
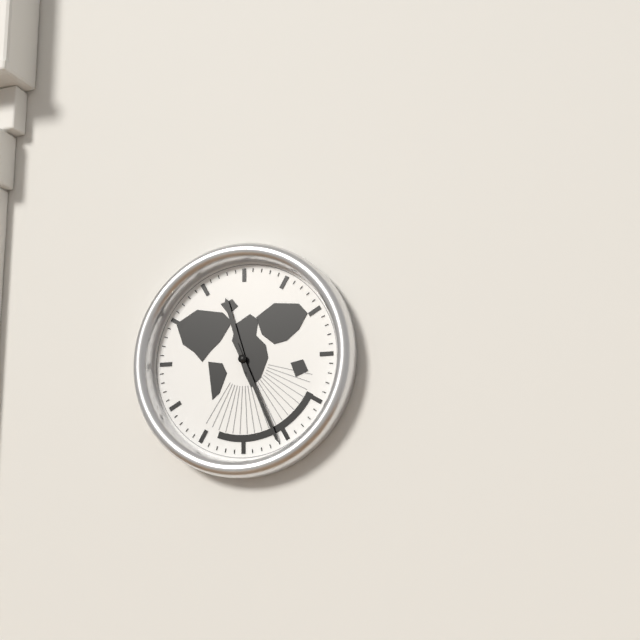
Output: **11:26**
